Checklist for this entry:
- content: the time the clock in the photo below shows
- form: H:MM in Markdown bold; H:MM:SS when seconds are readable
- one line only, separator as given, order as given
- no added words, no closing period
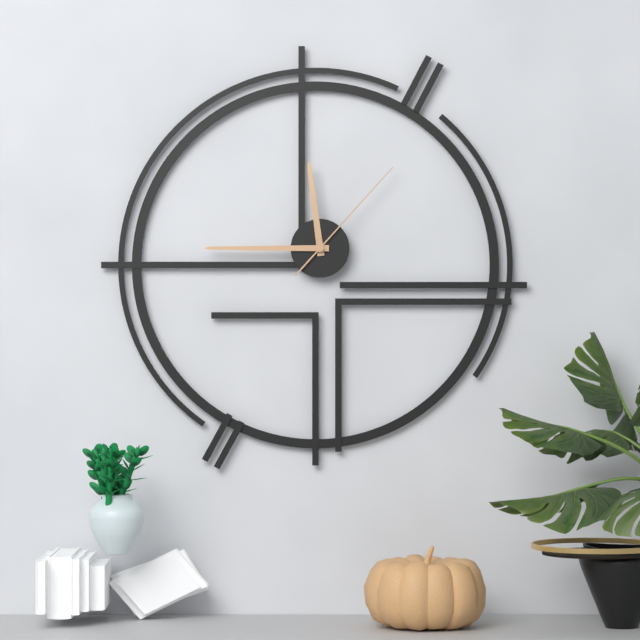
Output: **11:45:07**
